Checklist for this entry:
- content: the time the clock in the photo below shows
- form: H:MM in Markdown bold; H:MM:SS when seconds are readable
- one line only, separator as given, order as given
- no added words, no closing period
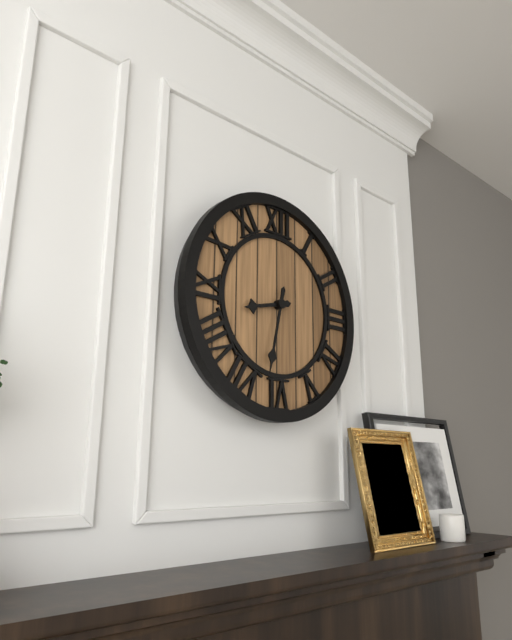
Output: **8:32**
